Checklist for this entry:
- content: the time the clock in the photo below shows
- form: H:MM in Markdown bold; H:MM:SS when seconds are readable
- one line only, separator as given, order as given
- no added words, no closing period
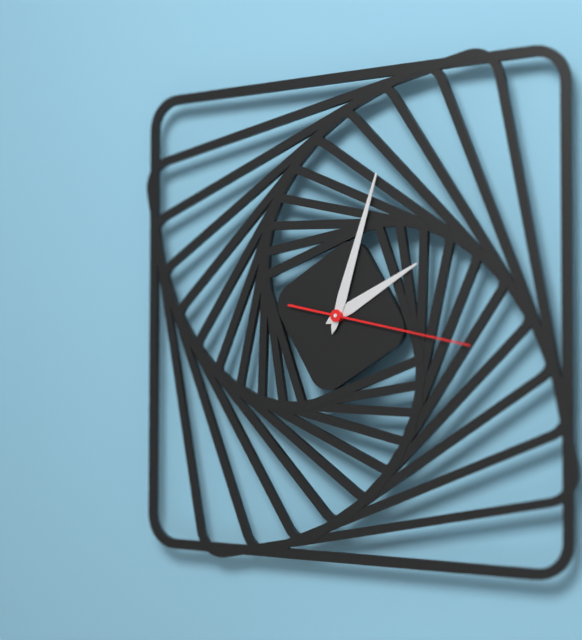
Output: **2:03:17**
